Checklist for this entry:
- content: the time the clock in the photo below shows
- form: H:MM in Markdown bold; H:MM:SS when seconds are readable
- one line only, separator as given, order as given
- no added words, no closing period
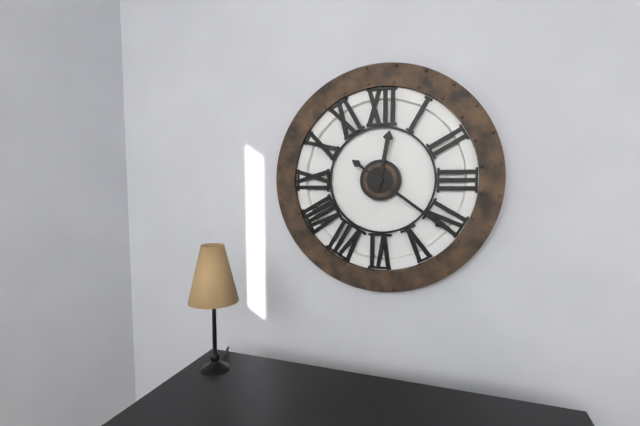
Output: **12:21**
